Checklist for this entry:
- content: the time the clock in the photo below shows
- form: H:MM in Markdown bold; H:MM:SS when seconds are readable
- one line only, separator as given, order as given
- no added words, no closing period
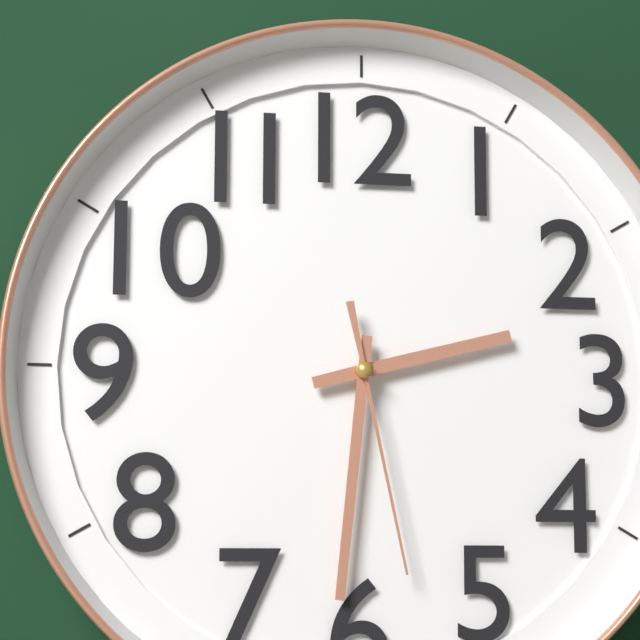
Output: **2:31:28**
